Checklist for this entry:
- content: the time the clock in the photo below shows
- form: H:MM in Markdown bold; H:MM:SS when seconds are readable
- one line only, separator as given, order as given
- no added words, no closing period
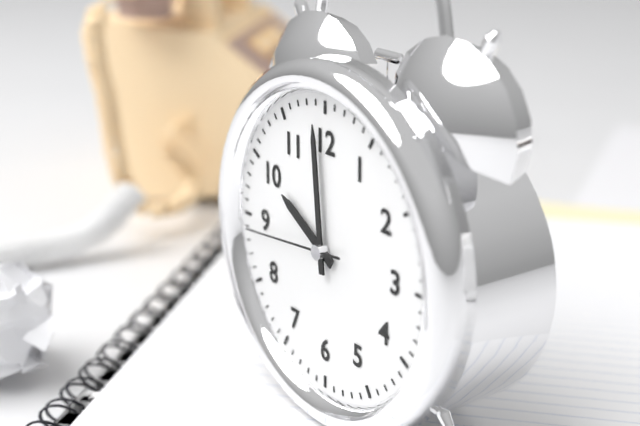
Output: **9:59:44**
